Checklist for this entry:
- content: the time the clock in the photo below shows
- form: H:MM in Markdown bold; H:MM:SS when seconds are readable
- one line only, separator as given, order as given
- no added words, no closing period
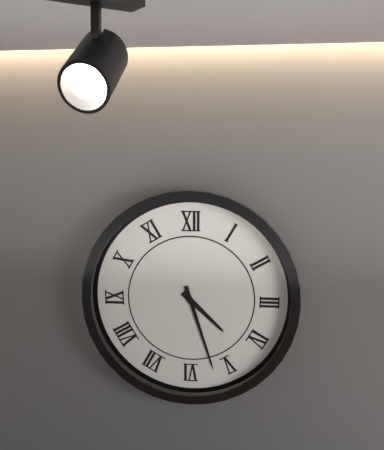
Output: **4:27**
